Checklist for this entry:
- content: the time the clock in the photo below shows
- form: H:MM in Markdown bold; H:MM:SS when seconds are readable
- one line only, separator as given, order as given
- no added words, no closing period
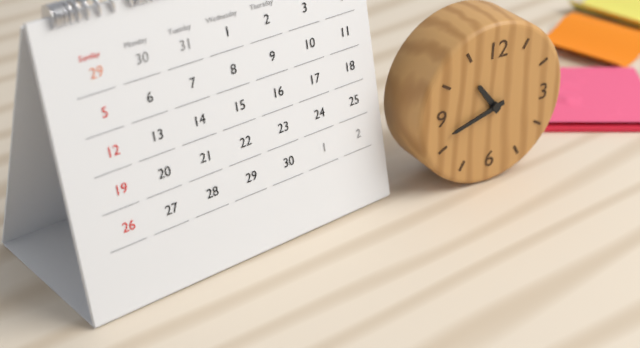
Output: **10:42**
